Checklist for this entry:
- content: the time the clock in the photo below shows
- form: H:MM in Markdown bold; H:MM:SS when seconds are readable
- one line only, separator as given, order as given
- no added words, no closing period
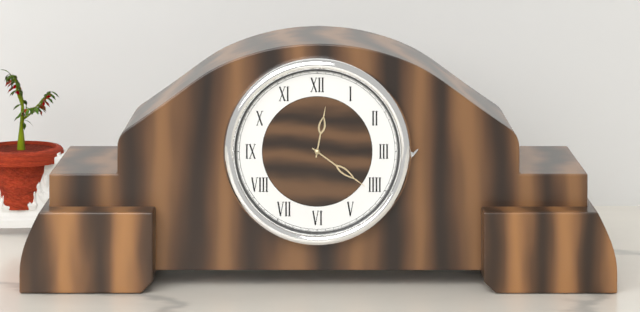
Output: **12:21**
